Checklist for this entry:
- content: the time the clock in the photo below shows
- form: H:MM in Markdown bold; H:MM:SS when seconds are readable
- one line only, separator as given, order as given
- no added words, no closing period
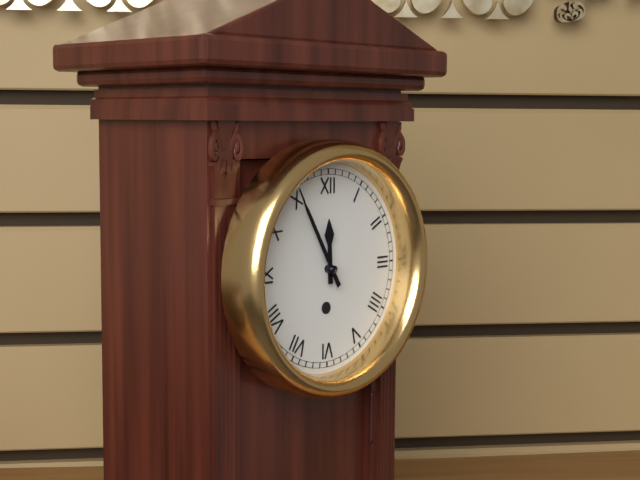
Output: **11:55**
